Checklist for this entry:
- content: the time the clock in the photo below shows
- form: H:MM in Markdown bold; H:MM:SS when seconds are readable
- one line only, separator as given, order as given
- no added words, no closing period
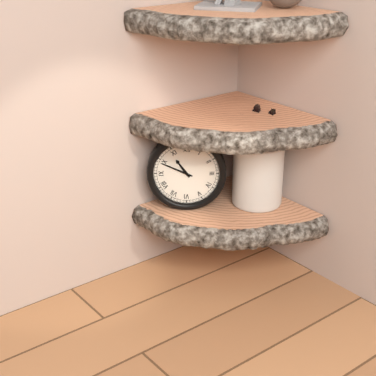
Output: **10:49**
